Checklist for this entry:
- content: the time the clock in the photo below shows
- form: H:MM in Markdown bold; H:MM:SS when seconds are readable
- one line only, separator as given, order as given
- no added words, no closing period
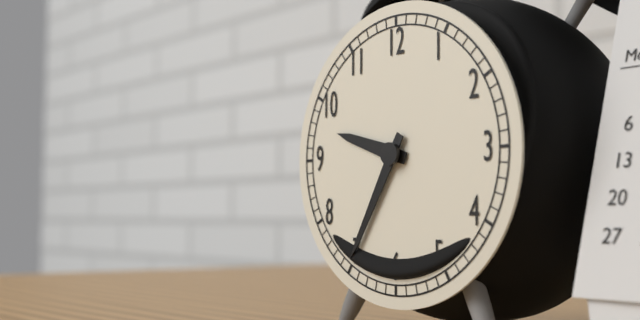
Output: **9:35**
